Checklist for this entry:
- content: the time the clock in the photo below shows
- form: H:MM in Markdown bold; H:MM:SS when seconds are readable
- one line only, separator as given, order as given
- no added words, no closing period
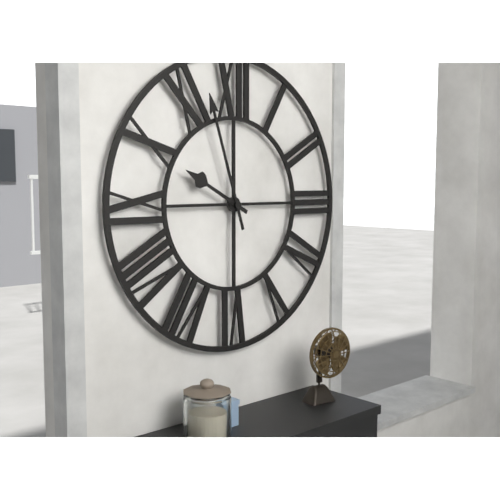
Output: **9:57**
